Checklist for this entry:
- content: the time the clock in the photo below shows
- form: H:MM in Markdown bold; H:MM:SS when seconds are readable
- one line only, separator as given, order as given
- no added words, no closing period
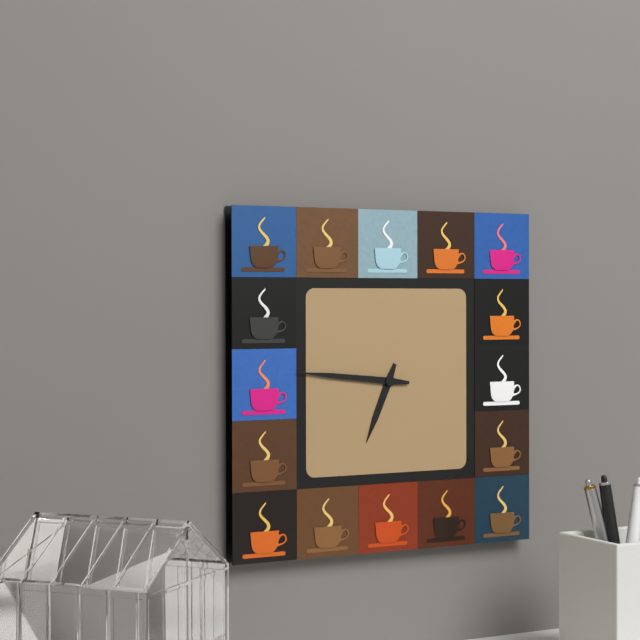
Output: **6:46**
